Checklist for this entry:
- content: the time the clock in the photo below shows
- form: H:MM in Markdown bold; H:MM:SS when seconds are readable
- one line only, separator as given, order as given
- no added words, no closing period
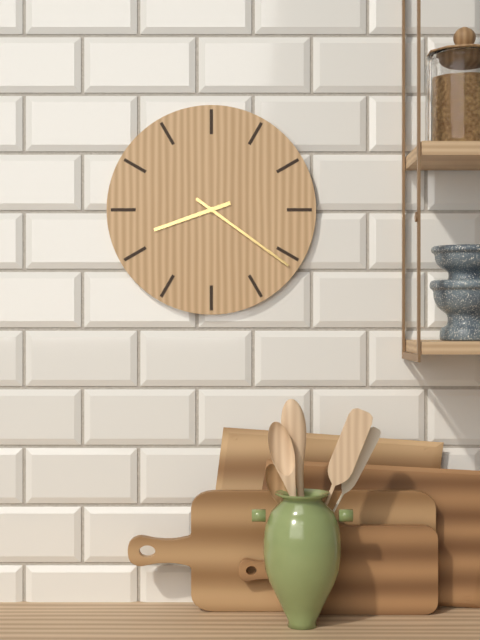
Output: **8:21**
